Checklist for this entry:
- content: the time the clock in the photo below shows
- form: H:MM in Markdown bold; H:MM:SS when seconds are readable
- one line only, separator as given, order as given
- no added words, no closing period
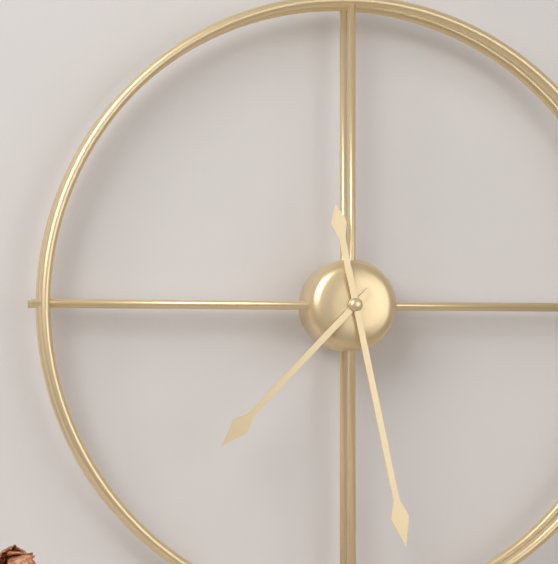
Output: **7:28**
